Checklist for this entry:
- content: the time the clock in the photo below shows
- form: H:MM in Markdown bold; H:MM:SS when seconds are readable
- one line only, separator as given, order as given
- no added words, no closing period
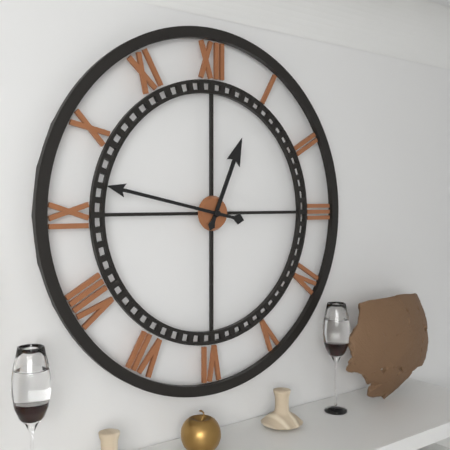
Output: **12:47**
